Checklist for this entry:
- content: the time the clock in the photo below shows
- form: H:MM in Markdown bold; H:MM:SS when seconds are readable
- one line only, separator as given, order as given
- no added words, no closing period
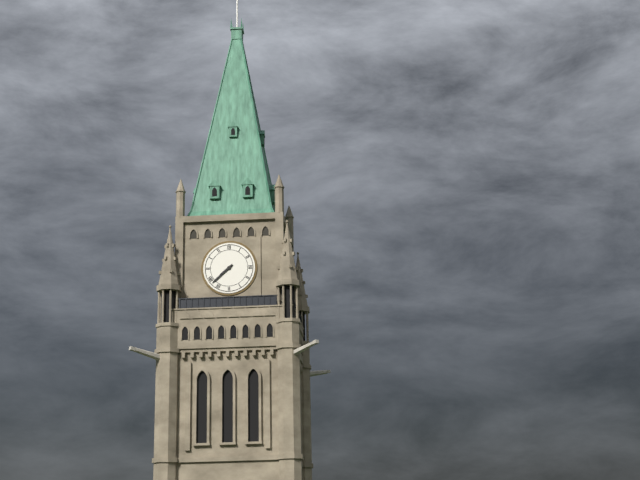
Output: **7:38**
